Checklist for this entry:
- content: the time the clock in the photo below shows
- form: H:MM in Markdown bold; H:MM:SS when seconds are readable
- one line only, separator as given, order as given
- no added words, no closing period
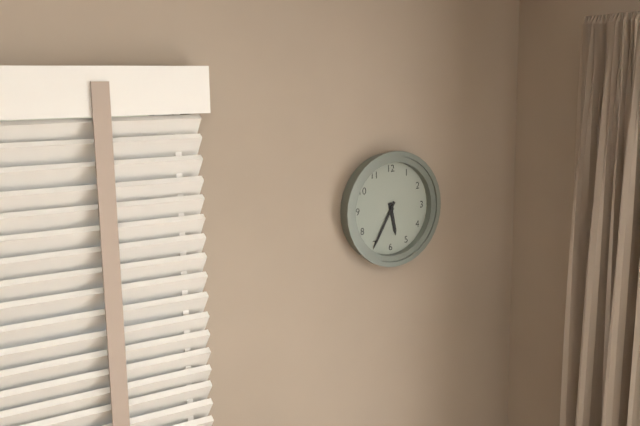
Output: **5:35**
